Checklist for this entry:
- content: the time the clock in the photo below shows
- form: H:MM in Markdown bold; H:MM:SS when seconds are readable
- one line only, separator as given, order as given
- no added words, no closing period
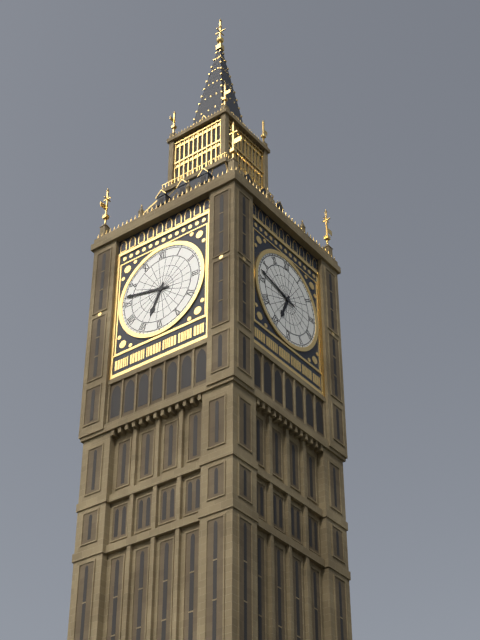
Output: **6:47**
